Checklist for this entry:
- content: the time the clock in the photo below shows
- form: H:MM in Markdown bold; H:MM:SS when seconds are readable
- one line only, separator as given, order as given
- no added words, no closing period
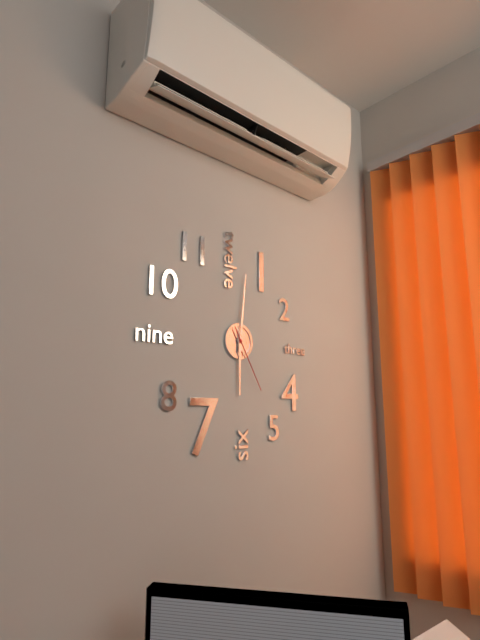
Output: **6:01:25**
